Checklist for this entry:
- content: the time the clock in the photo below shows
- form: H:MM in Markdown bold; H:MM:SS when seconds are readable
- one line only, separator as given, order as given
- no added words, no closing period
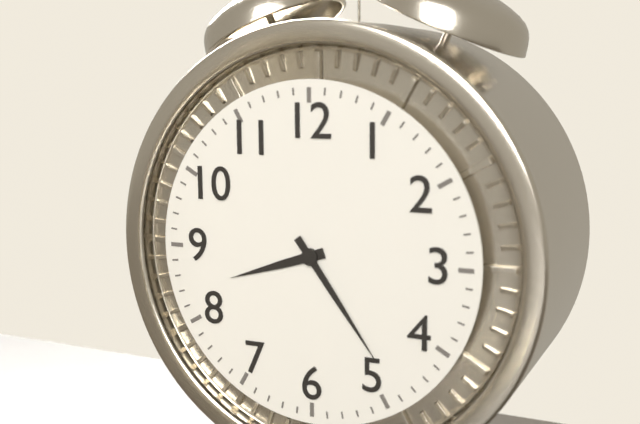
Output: **8:24**
